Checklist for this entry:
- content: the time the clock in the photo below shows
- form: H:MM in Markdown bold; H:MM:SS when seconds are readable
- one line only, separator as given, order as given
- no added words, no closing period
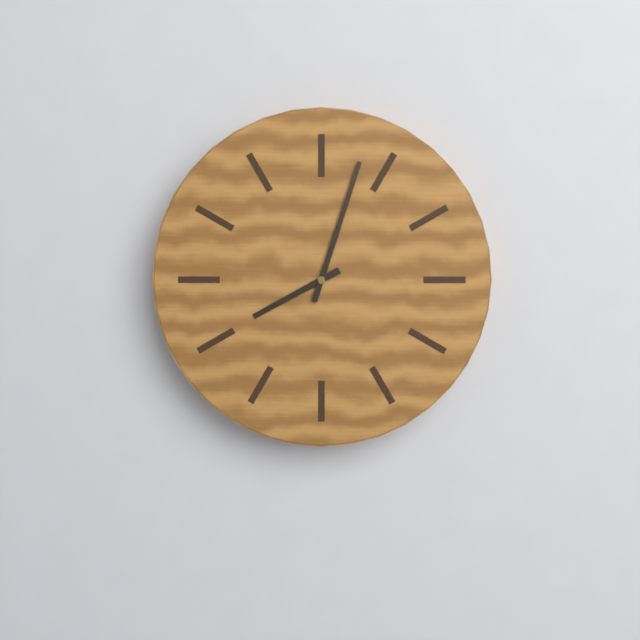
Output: **8:03**
